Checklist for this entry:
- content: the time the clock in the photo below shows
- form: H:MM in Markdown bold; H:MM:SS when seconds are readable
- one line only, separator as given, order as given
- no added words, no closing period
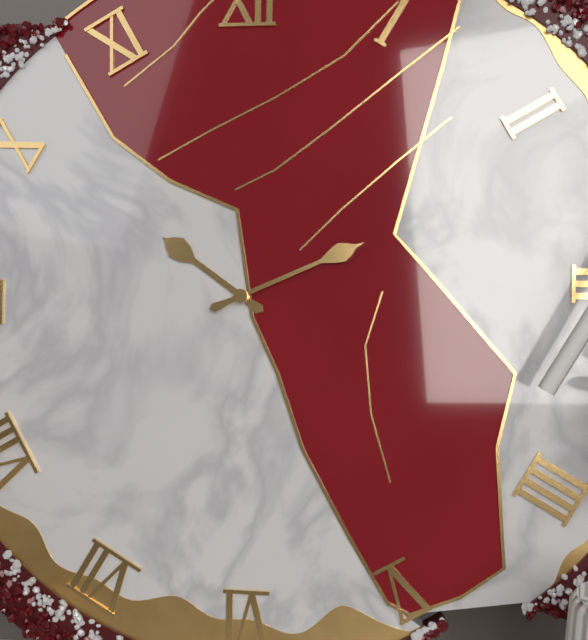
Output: **10:11**
